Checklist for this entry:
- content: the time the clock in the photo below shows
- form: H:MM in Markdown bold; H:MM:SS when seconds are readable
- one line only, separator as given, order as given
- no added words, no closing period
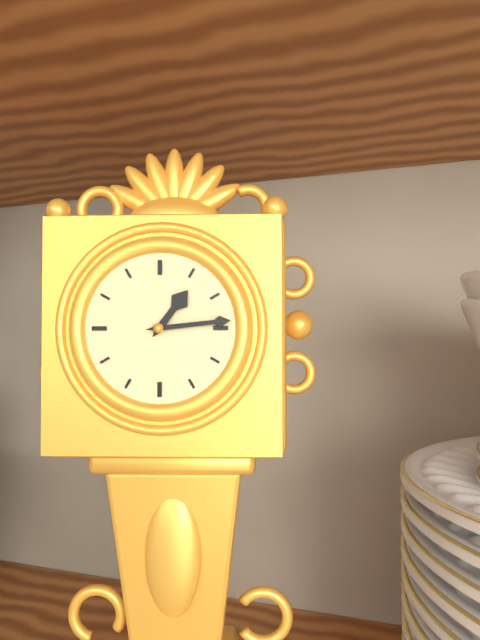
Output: **1:14**
